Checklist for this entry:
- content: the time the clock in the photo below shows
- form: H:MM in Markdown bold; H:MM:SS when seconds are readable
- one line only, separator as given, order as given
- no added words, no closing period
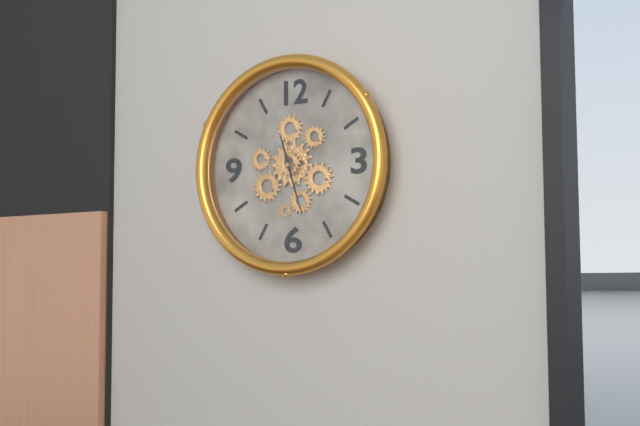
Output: **11:27**
